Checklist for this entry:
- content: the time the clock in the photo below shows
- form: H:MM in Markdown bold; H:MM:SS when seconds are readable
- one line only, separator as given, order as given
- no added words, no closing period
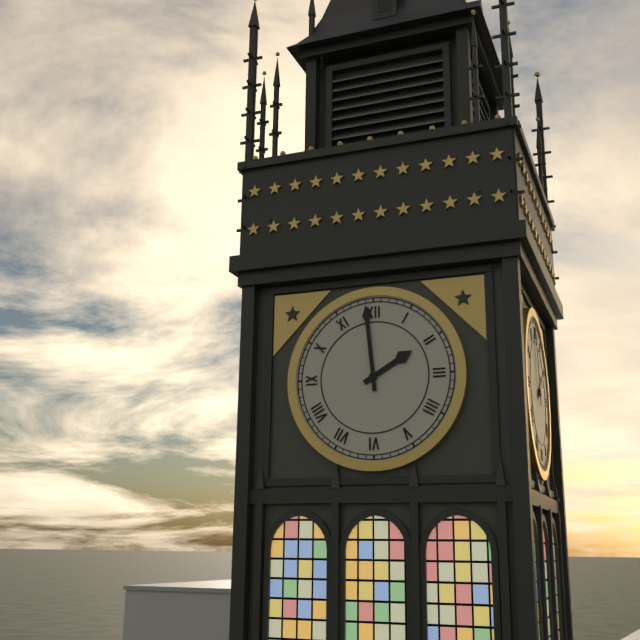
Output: **1:59**
